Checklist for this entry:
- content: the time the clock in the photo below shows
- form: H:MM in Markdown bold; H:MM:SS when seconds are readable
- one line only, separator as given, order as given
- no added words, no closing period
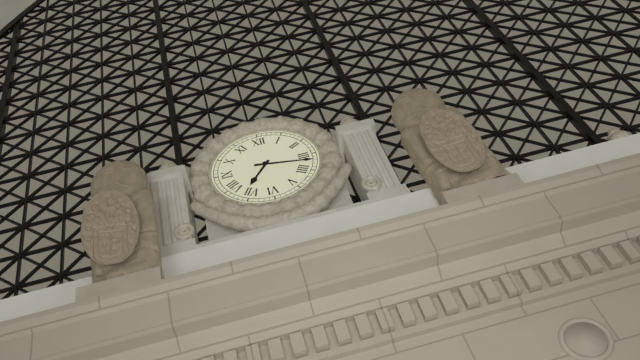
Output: **7:17**
